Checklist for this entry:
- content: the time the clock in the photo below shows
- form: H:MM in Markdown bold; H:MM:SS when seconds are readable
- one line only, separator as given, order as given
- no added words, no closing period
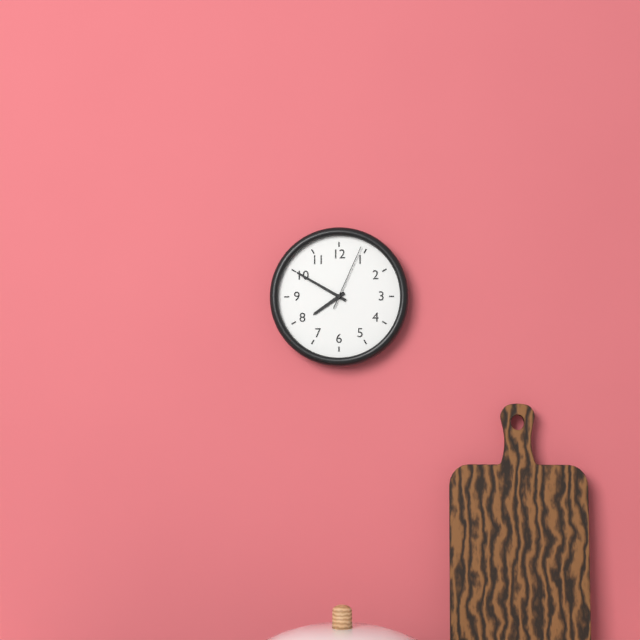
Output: **7:50:04**
